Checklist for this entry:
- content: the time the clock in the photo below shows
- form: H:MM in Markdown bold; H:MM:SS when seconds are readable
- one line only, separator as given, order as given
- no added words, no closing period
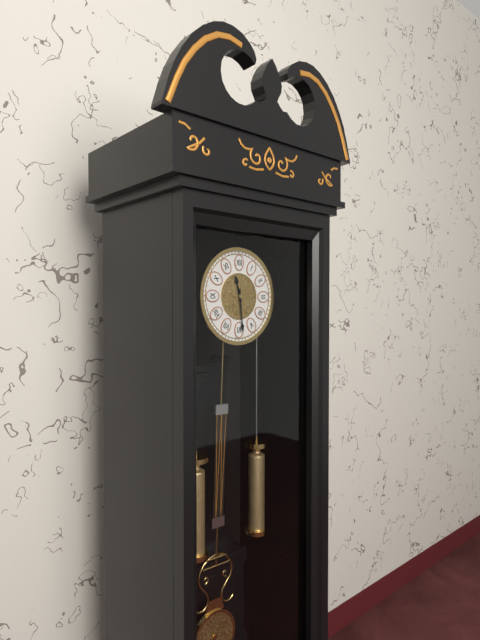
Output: **11:29**
